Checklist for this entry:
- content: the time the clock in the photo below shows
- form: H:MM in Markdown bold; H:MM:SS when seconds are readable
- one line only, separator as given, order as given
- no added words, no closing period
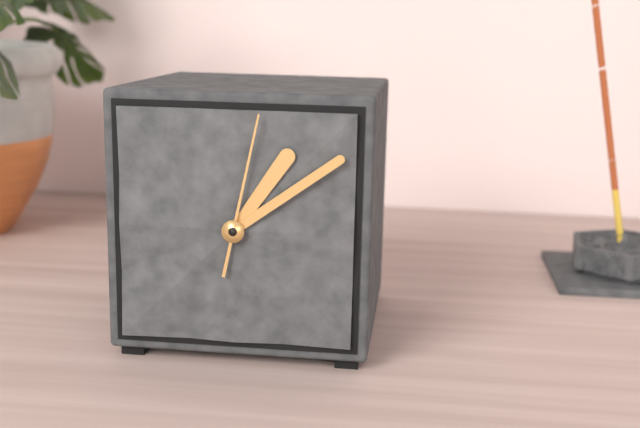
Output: **1:09:02**
